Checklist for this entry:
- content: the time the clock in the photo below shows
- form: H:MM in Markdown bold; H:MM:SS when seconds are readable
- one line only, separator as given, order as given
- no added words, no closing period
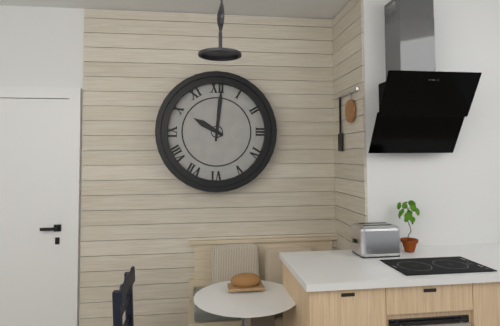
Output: **10:01**
